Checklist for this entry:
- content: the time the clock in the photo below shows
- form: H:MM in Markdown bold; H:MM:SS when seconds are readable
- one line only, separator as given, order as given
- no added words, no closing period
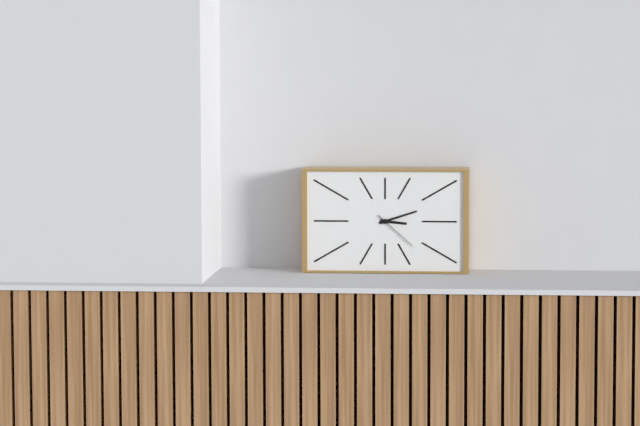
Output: **3:12**
